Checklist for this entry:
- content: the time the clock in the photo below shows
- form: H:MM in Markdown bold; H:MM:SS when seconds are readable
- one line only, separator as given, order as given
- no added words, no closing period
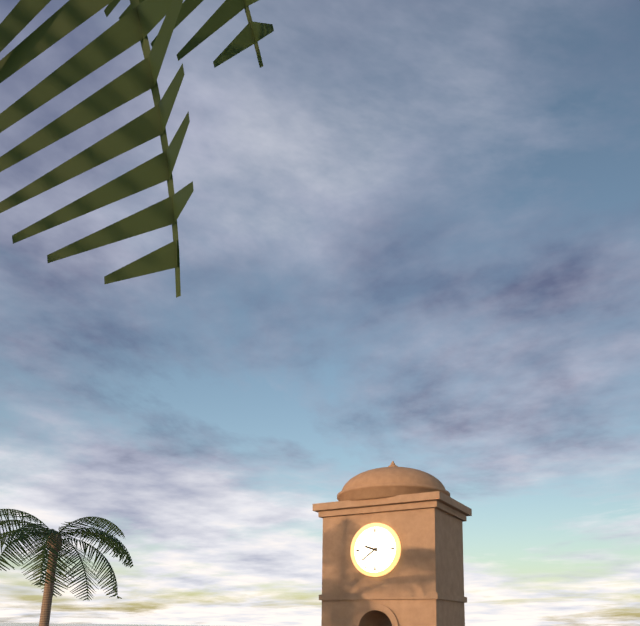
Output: **9:39**
